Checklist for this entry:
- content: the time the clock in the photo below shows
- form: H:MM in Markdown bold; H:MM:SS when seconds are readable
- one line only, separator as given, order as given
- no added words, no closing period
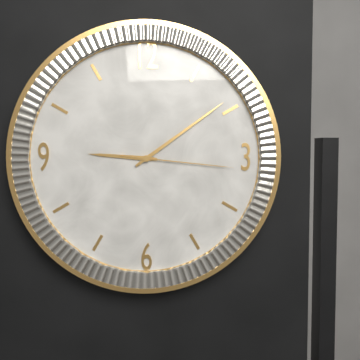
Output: **9:09:16**
